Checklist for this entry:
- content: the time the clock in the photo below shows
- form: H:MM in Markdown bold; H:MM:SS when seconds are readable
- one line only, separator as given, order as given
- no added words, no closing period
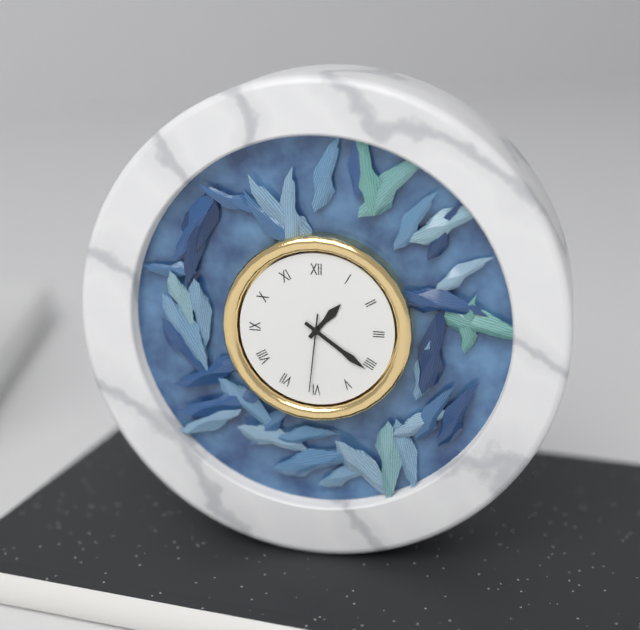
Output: **1:21:31**
